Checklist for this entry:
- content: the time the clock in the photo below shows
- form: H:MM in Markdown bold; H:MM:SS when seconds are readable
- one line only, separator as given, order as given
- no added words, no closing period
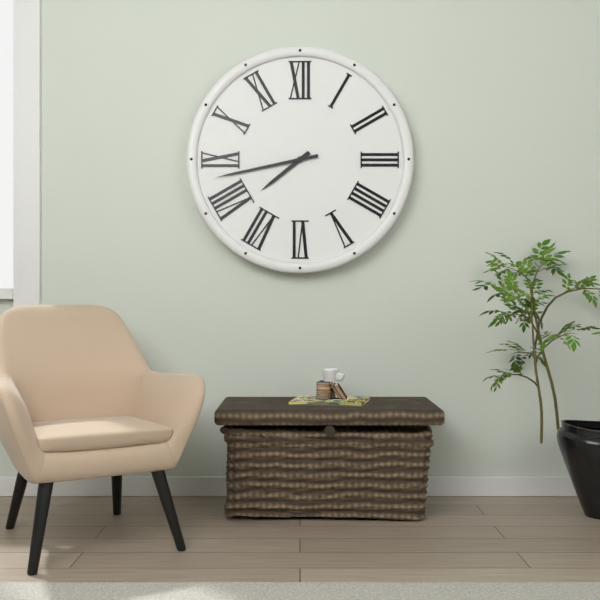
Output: **7:43**
